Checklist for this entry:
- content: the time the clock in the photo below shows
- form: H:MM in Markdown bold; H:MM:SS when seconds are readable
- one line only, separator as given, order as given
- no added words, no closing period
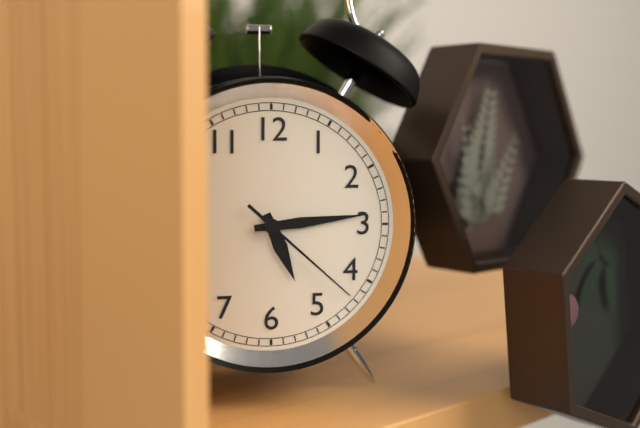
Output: **5:14:22**
